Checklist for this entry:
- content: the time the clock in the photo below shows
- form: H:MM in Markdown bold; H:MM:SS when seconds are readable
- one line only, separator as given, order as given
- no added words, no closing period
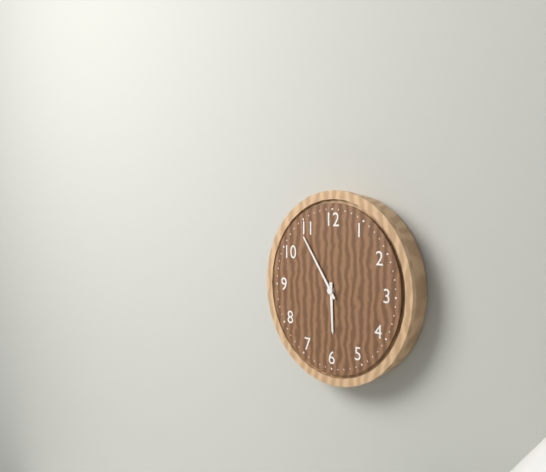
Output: **5:54**
